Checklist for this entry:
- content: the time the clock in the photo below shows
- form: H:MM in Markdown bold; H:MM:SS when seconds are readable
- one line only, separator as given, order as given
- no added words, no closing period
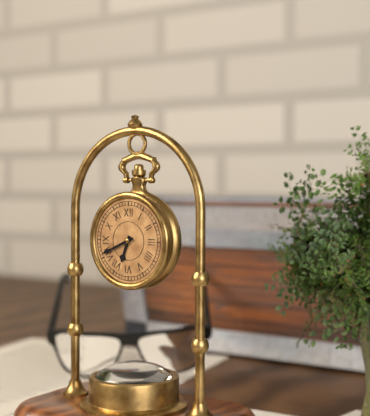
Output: **6:41**
